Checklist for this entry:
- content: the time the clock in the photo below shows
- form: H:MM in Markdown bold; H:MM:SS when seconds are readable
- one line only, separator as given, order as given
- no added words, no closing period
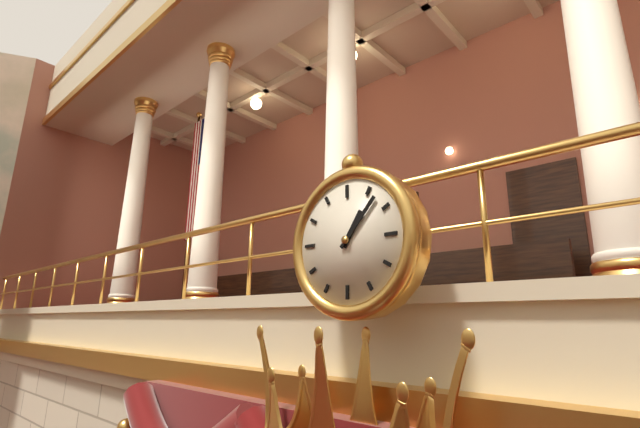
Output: **1:07**
